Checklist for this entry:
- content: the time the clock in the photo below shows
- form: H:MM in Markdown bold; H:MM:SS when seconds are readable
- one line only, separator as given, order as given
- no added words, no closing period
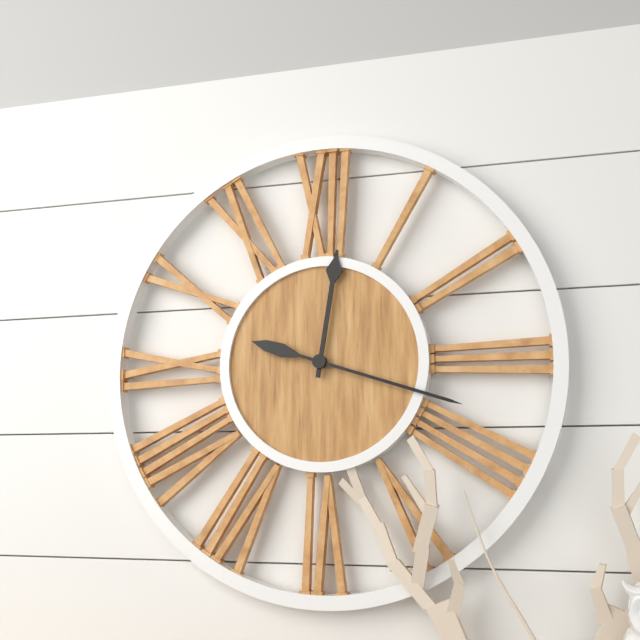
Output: **12:18**
